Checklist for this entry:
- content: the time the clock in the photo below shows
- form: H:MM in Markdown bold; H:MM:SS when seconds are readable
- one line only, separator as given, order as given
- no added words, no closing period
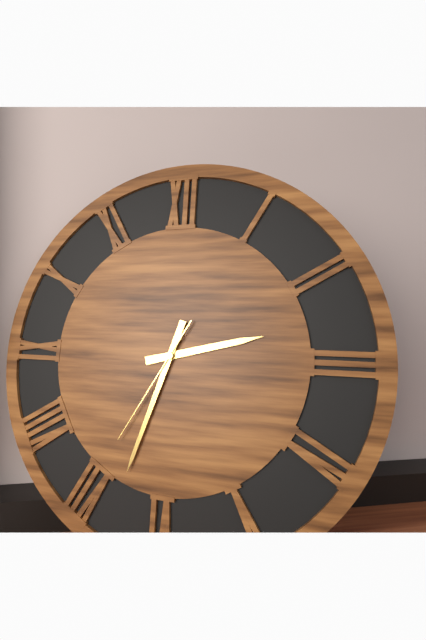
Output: **2:33:35**
